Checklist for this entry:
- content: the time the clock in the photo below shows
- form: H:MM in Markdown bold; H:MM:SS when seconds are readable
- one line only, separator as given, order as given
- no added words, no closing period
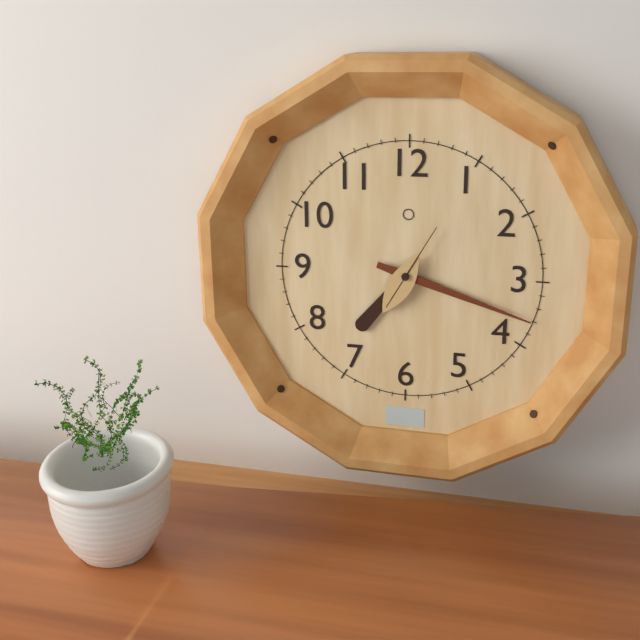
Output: **7:18:05**
